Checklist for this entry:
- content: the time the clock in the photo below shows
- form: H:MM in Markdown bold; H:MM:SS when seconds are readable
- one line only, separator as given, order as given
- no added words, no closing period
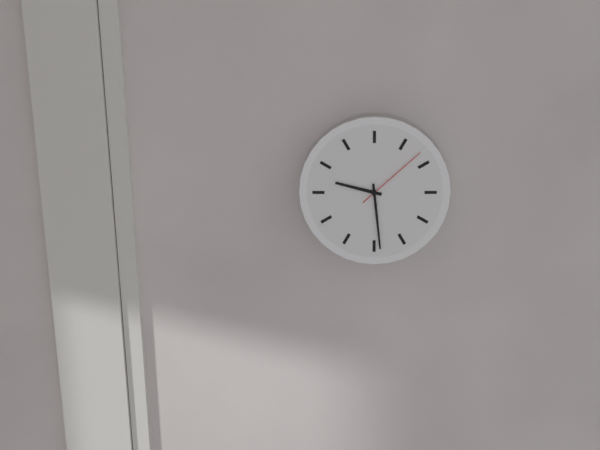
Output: **9:29:08**
